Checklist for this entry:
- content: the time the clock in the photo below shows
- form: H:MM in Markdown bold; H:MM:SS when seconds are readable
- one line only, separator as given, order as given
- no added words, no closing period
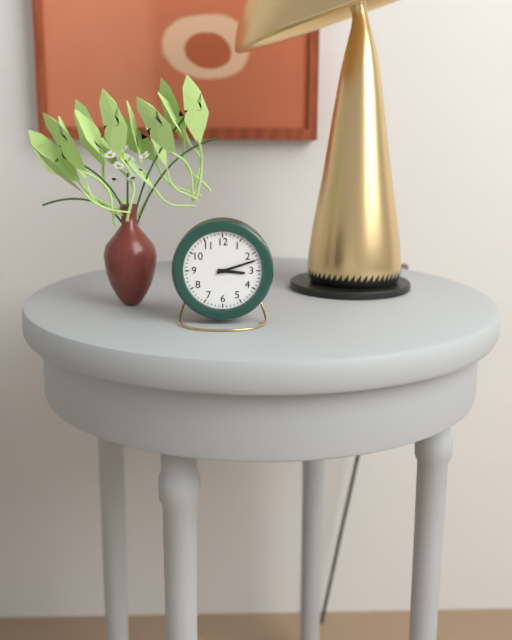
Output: **3:12**
